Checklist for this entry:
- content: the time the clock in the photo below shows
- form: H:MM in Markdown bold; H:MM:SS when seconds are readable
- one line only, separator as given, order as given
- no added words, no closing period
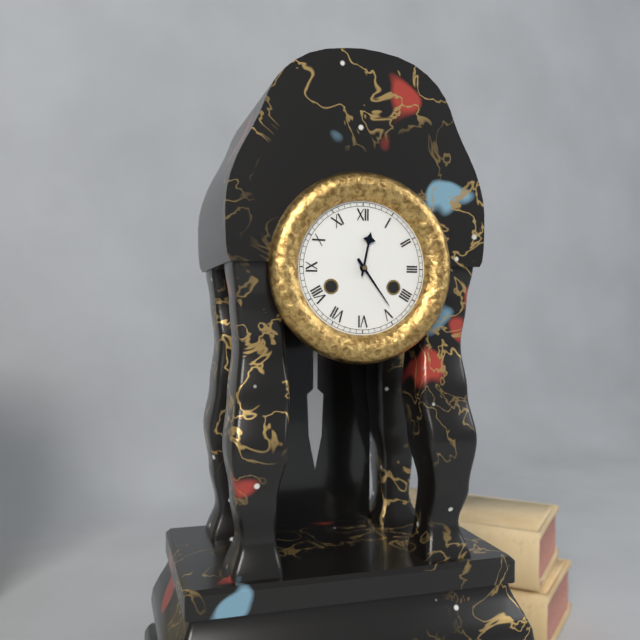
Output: **12:24**
